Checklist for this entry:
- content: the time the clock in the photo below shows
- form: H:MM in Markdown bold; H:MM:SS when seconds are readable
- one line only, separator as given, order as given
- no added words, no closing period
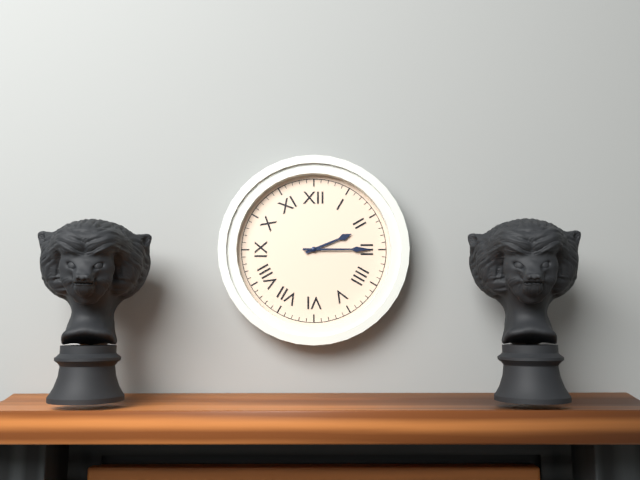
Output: **2:15**
